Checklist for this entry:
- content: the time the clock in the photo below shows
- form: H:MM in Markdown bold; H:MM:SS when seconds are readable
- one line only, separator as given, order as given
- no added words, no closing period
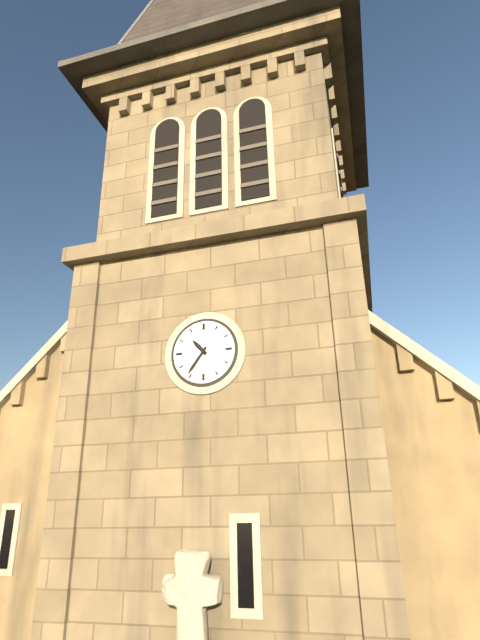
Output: **10:36**
